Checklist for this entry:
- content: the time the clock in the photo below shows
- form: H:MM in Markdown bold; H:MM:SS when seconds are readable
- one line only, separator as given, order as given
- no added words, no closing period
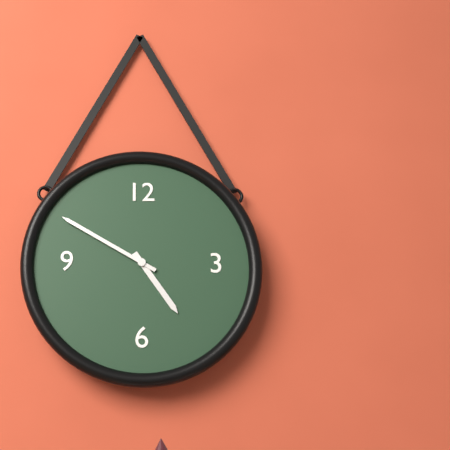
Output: **4:50**
